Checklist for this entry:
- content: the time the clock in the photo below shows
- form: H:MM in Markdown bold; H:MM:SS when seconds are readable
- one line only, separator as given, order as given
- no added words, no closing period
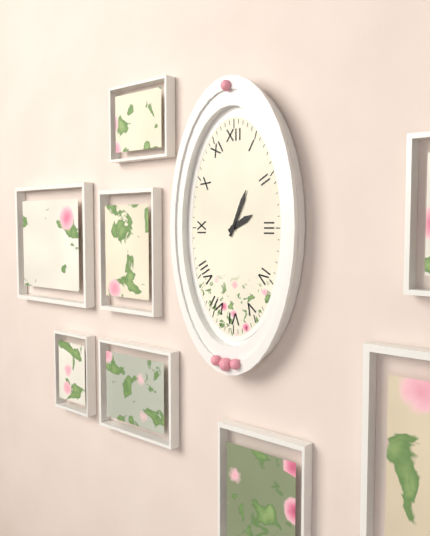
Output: **2:04**
